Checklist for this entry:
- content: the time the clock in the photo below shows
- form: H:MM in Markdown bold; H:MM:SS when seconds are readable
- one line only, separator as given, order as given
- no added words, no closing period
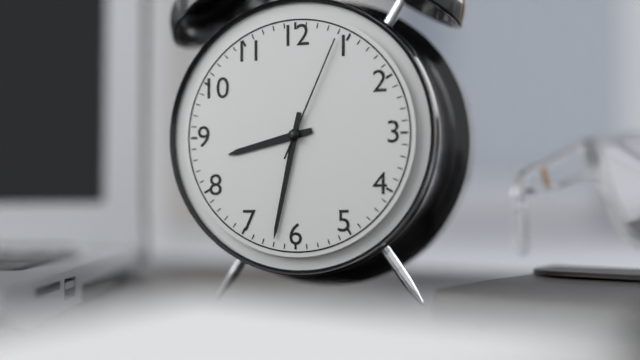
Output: **8:32:04**
